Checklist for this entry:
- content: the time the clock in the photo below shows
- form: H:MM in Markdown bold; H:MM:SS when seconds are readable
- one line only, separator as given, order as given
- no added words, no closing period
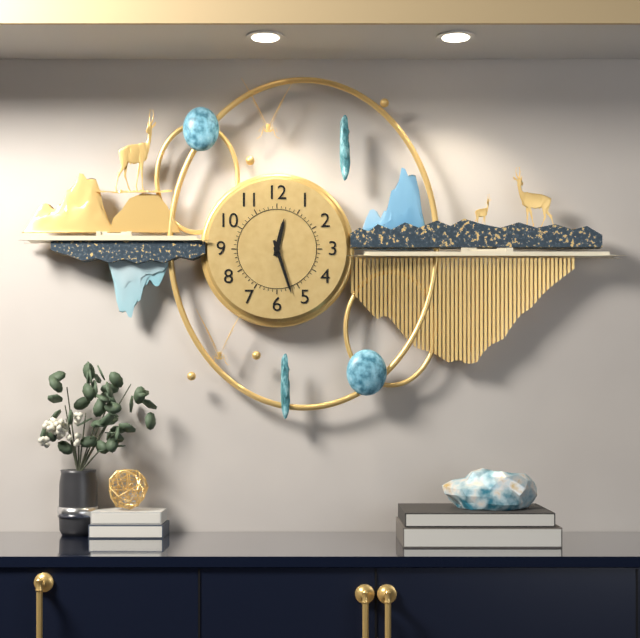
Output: **12:27**
